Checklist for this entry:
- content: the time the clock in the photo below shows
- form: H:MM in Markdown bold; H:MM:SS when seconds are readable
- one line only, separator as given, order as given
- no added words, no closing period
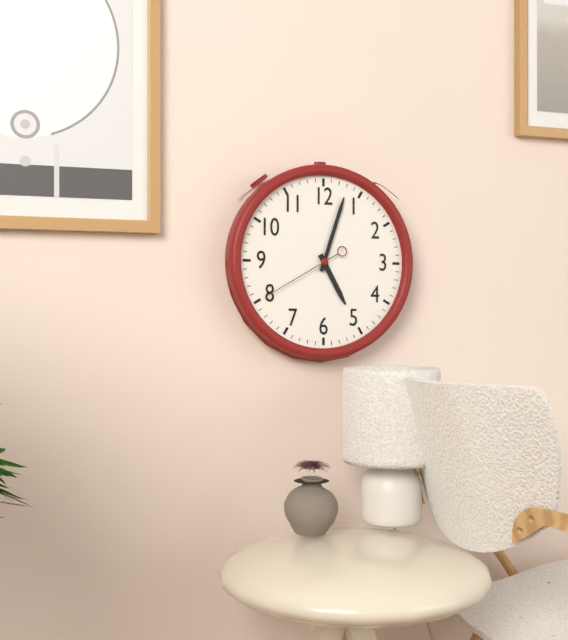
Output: **5:03:40**
